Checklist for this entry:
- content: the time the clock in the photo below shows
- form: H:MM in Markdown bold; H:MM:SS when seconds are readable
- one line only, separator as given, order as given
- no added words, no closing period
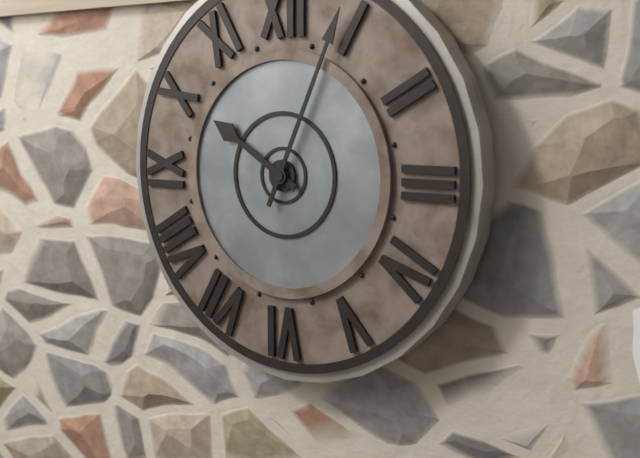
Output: **10:04**
